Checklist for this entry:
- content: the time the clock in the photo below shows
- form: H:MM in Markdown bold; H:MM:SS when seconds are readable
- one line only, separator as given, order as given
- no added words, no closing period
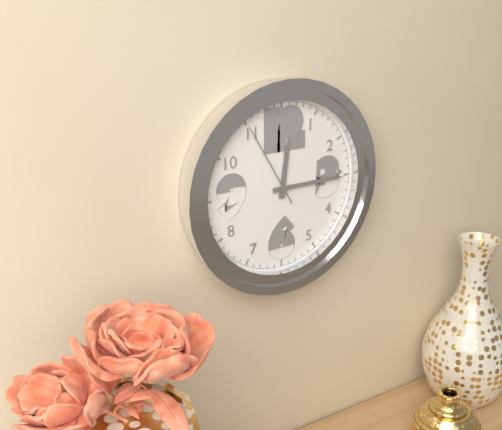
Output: **12:15:55**
